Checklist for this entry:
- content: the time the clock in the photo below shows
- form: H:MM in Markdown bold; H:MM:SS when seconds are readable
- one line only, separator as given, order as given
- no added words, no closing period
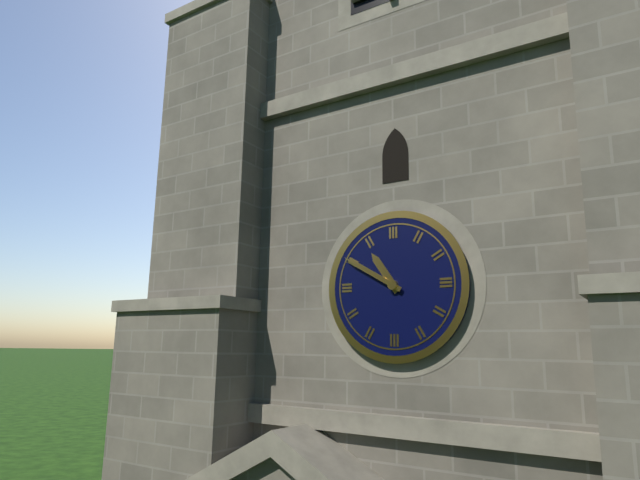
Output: **10:50**
